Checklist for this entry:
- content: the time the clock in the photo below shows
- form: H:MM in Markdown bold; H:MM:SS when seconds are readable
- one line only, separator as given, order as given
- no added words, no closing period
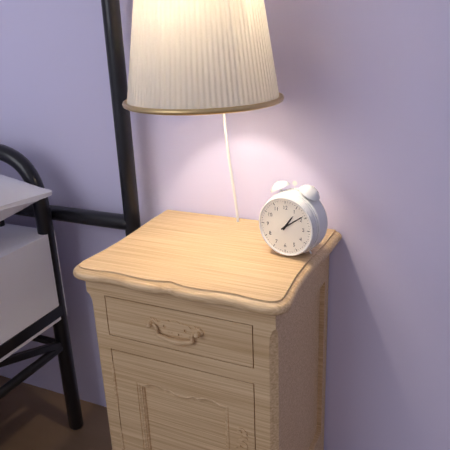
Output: **1:09**
